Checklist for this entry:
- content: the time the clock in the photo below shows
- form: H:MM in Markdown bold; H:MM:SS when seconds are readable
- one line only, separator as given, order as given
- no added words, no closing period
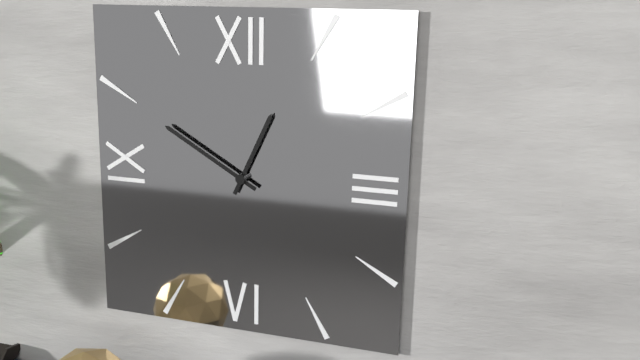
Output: **12:50**
